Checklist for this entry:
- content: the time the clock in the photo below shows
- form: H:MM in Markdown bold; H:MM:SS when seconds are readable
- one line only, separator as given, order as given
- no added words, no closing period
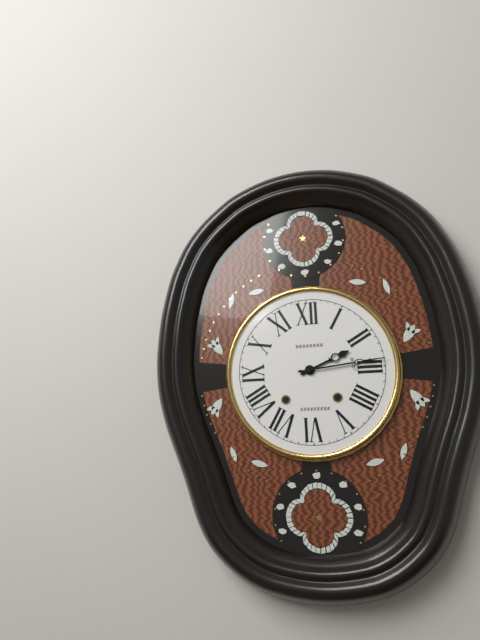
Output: **2:14**
